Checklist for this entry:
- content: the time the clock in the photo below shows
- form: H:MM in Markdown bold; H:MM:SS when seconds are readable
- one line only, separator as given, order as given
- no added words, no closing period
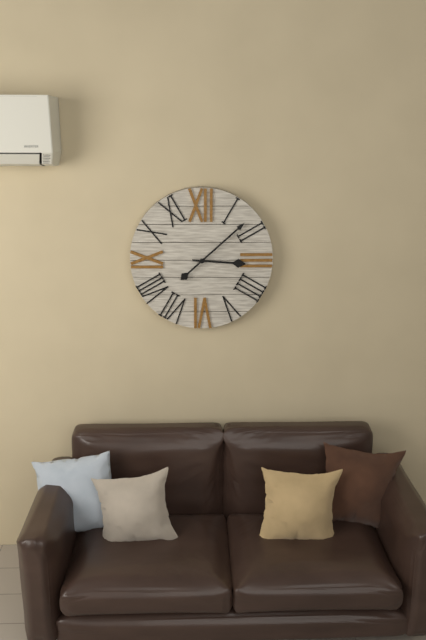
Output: **3:08**
